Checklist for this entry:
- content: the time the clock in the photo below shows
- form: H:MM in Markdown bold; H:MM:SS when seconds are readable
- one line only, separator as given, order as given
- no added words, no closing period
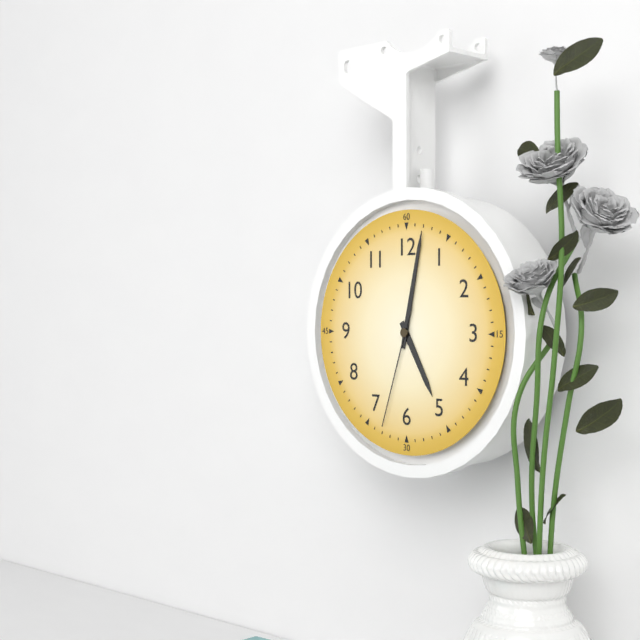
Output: **5:02:33**
